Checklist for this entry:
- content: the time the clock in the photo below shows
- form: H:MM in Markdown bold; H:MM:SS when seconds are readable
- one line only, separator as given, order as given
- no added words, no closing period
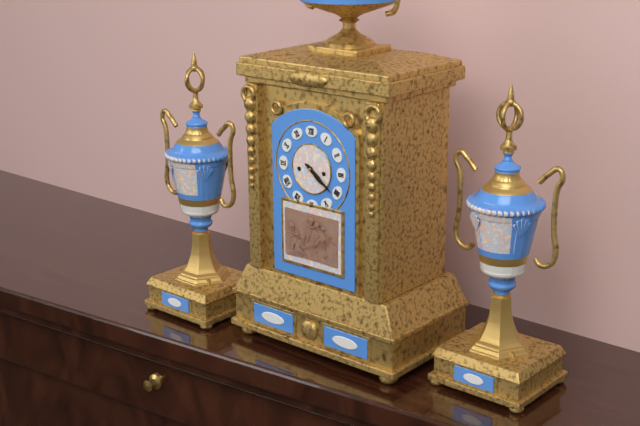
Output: **4:21**
